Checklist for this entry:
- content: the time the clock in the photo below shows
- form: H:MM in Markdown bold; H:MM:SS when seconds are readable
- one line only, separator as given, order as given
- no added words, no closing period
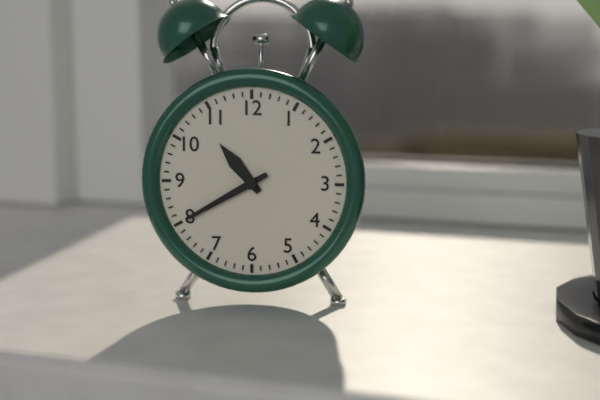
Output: **10:40**
